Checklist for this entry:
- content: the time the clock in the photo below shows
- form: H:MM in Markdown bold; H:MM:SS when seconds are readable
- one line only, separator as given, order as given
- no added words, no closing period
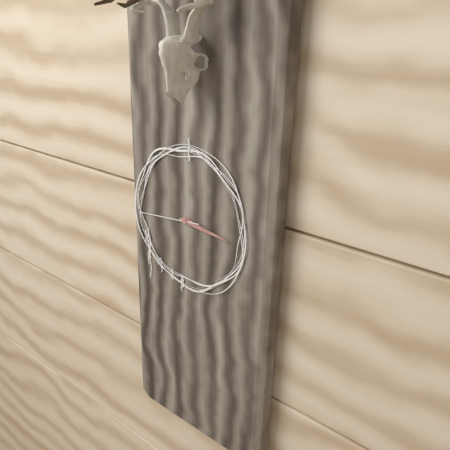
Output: **3:16:44**
